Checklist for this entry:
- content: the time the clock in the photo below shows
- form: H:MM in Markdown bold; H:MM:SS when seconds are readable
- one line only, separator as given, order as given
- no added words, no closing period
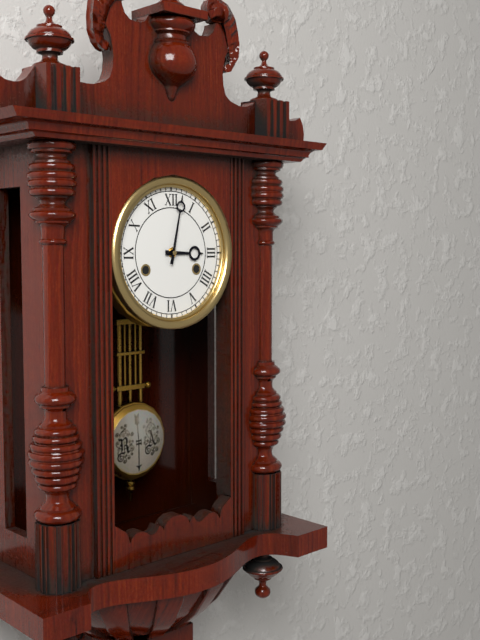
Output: **3:02**
